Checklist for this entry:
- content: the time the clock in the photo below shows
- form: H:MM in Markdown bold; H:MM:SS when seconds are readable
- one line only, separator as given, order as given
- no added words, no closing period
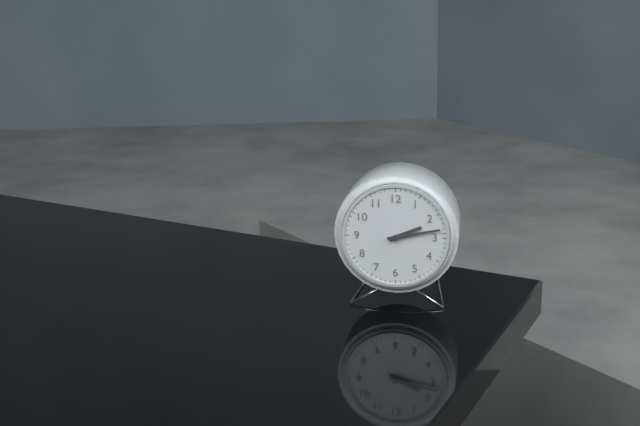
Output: **2:13**
